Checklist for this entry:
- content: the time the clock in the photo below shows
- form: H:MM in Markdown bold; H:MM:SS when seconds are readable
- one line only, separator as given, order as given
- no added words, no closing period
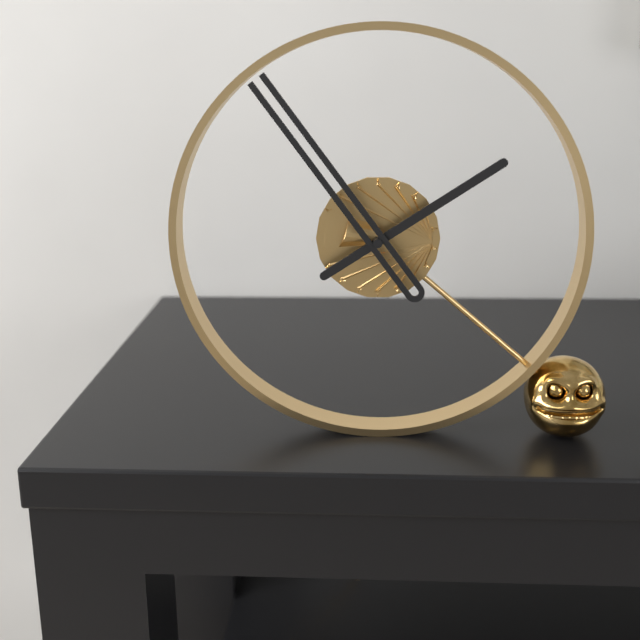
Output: **1:54**
